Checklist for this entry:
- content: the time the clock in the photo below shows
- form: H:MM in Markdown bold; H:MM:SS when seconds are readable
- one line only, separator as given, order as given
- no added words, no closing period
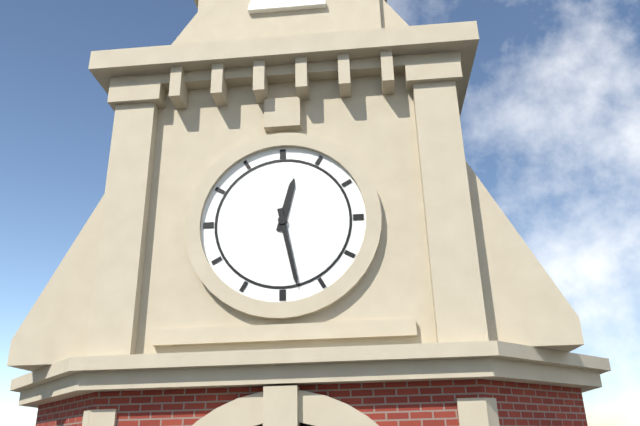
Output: **12:28**
